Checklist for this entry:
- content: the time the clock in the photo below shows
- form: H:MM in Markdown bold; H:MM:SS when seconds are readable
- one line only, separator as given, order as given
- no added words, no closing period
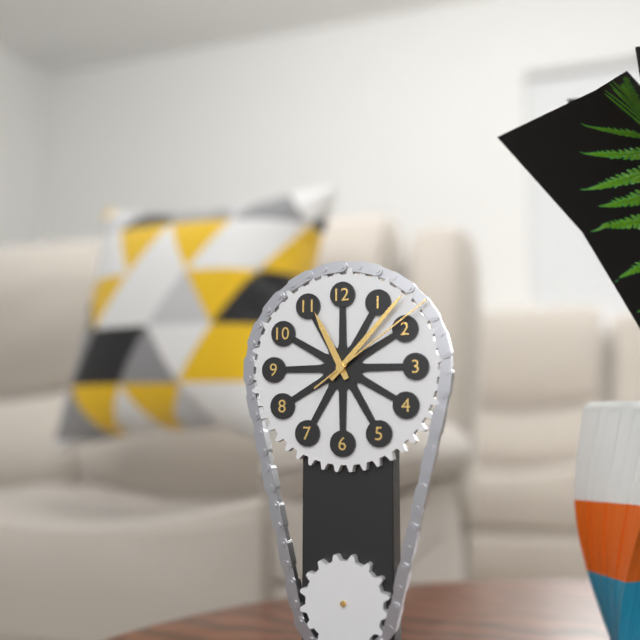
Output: **11:07:09**
